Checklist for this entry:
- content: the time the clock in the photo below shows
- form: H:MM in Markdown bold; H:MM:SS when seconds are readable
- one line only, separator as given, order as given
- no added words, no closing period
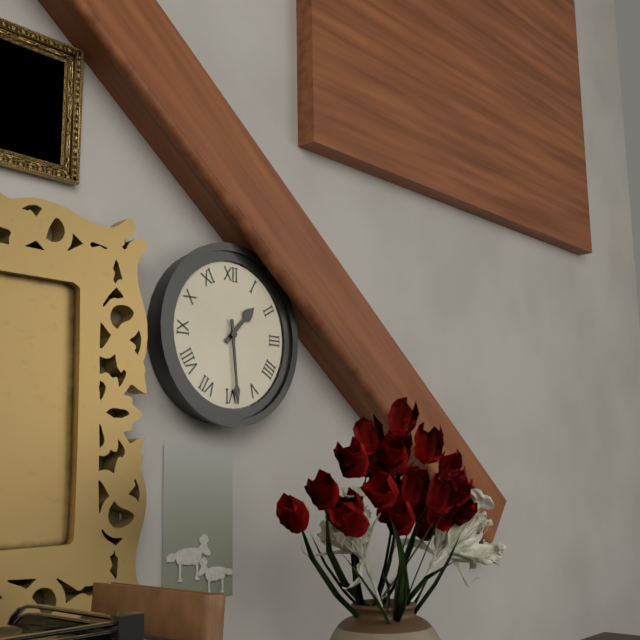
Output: **1:29**
